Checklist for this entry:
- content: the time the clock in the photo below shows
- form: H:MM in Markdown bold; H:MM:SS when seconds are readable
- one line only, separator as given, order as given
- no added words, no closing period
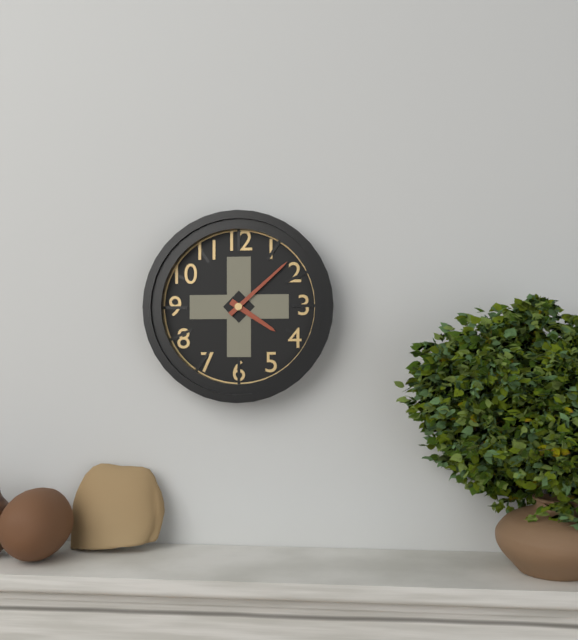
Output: **4:08**
